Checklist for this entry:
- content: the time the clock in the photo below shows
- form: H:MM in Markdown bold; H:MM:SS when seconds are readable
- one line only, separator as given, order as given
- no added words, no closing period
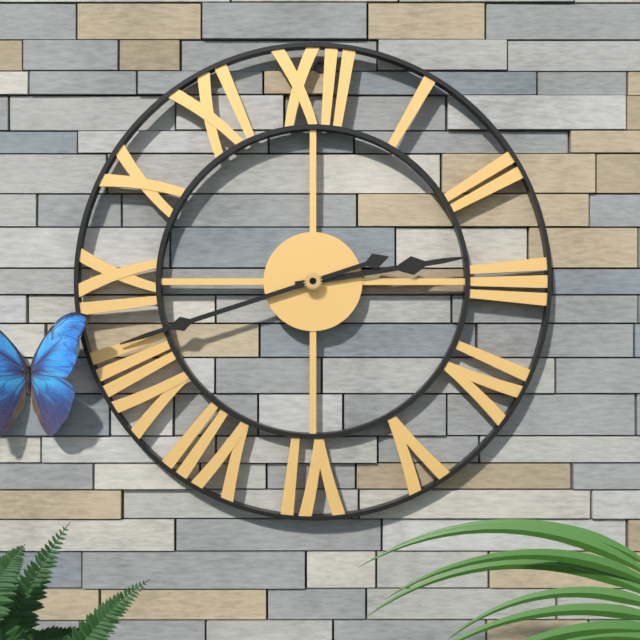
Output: **2:42**
